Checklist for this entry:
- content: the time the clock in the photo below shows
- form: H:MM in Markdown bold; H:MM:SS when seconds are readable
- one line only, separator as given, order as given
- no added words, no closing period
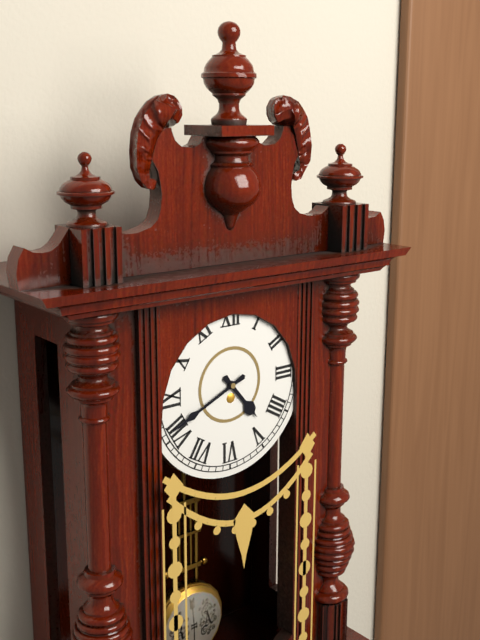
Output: **4:41**
